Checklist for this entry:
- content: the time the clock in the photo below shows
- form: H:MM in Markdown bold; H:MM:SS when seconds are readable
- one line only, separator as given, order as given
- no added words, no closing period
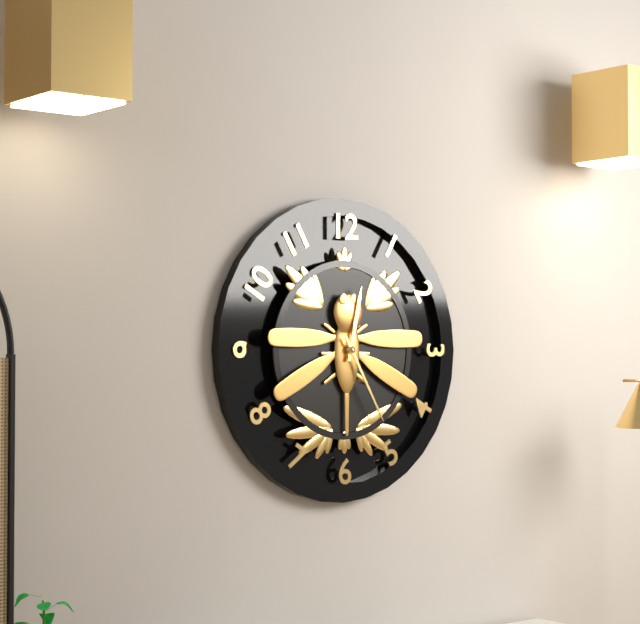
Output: **12:25**
